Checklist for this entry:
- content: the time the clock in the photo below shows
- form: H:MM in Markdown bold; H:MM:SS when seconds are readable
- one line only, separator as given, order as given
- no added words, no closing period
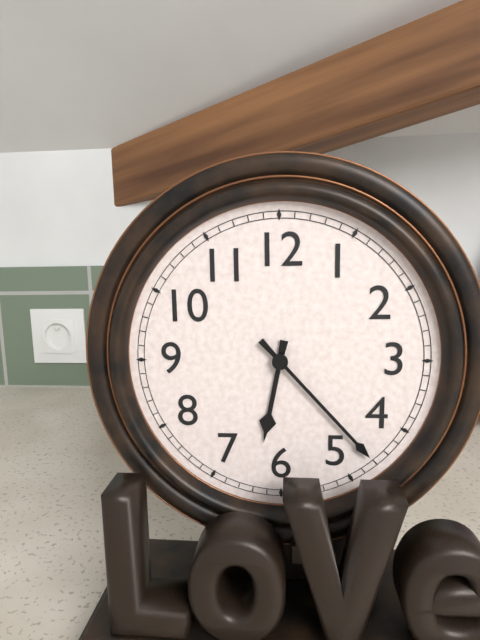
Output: **6:23**
